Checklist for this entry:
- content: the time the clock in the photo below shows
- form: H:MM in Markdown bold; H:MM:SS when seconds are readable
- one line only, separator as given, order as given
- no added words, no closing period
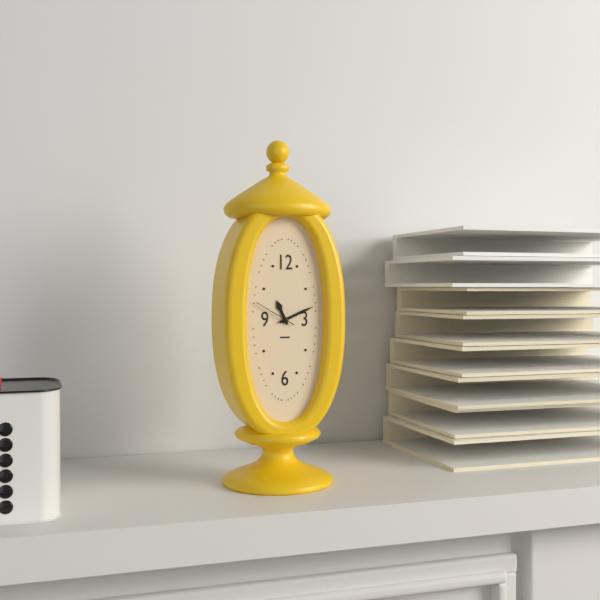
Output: **11:11**
